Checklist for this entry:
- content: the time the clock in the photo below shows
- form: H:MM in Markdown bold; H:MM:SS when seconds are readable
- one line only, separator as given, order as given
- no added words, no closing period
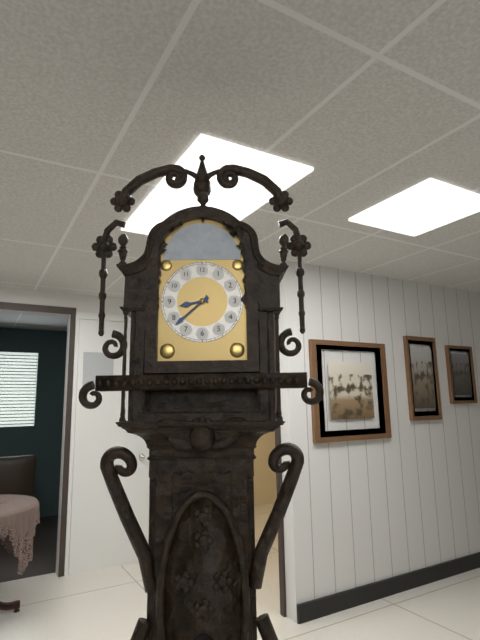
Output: **8:38**
